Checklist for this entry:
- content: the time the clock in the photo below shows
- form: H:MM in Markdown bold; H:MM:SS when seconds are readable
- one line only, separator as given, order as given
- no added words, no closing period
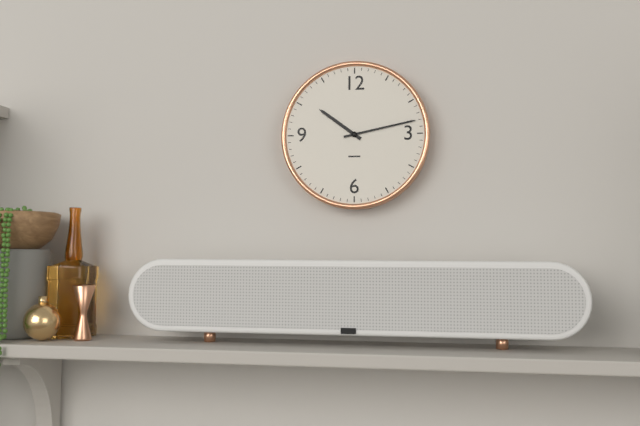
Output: **10:13**
